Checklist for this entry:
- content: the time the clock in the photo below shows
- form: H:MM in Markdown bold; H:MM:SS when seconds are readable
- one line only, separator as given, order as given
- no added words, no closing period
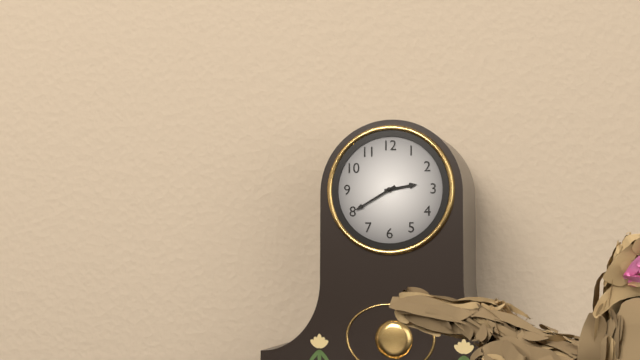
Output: **2:40**
